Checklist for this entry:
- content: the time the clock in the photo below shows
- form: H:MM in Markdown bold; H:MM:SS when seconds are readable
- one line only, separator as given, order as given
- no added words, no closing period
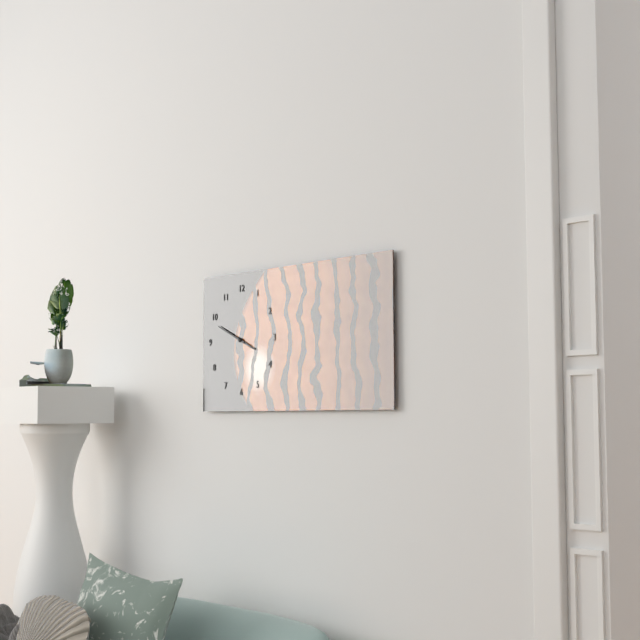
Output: **3:49**
